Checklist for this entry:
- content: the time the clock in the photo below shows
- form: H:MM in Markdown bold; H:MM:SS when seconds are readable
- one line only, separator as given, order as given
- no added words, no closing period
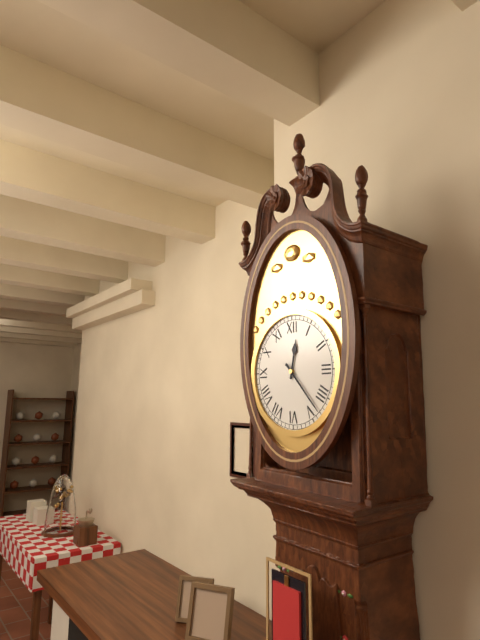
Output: **12:23**
